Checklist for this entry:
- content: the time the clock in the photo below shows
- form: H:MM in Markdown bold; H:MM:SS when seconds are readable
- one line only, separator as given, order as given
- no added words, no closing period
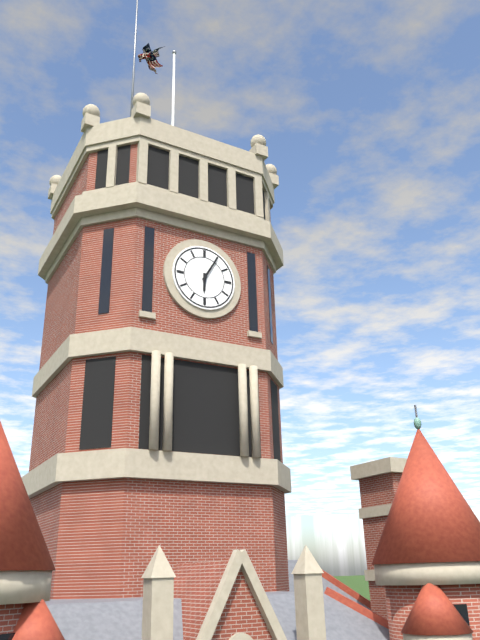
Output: **6:05**
